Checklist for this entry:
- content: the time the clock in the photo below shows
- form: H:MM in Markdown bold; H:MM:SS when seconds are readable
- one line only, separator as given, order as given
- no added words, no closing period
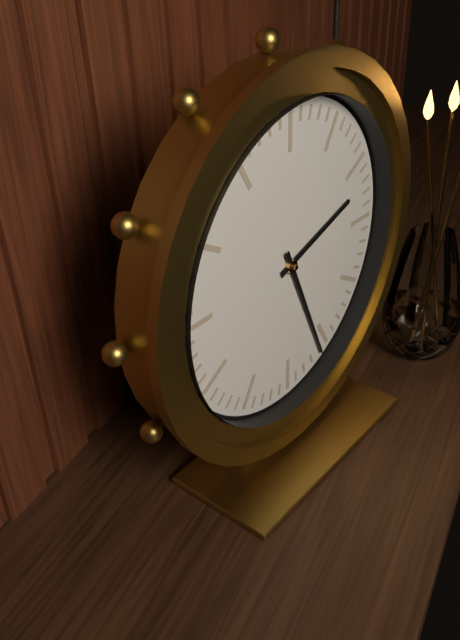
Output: **2:26**
